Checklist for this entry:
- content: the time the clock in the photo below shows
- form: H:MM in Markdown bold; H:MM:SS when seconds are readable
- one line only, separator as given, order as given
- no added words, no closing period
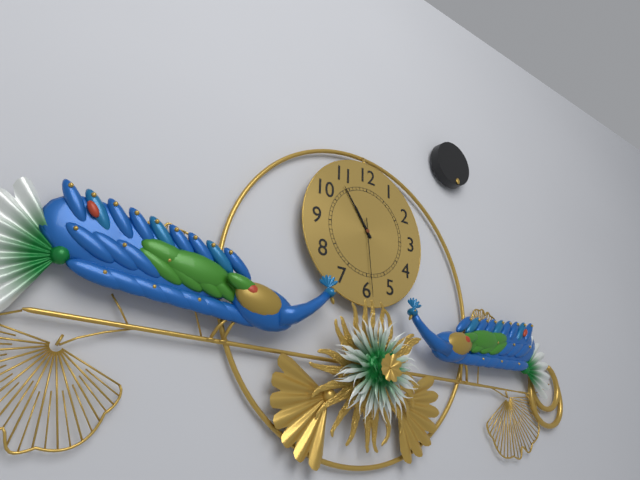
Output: **10:54:29**
